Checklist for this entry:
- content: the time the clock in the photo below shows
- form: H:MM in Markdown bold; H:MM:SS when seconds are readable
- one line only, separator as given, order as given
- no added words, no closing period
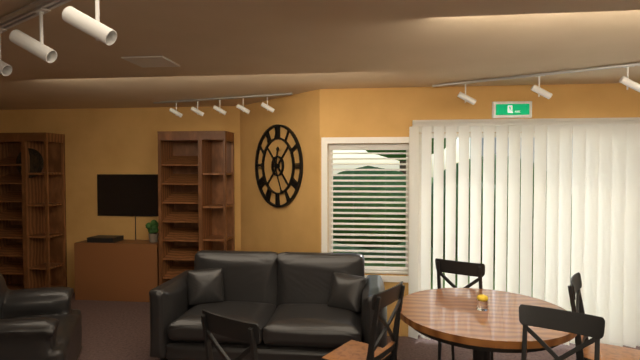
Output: **12:26**
